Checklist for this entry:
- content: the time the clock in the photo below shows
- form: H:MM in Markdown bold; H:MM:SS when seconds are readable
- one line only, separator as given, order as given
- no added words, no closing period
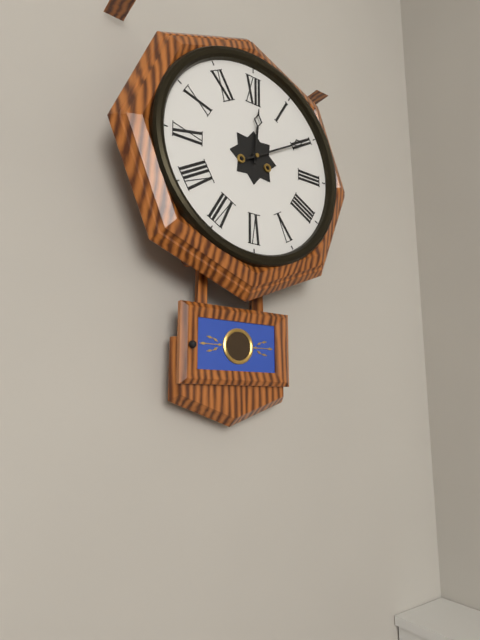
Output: **12:10**
